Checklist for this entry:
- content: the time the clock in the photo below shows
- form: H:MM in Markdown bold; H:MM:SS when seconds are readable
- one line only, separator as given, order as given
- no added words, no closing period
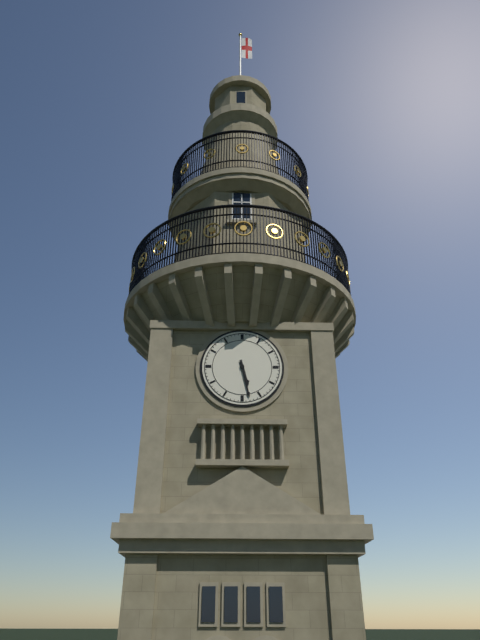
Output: **5:28**
